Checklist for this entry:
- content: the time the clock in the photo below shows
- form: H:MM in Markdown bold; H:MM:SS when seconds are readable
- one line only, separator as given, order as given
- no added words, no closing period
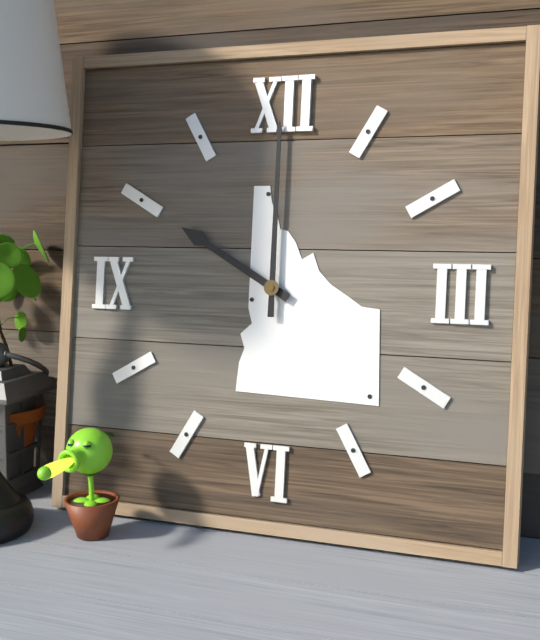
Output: **10:00**
